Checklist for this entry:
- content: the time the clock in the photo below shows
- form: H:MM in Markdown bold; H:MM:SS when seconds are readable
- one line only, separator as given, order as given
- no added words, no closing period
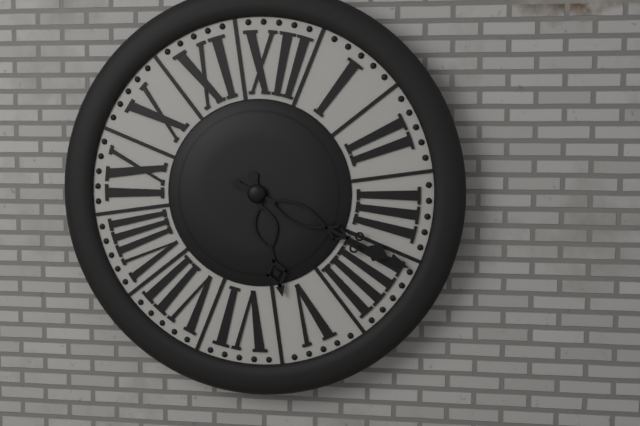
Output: **5:18**
